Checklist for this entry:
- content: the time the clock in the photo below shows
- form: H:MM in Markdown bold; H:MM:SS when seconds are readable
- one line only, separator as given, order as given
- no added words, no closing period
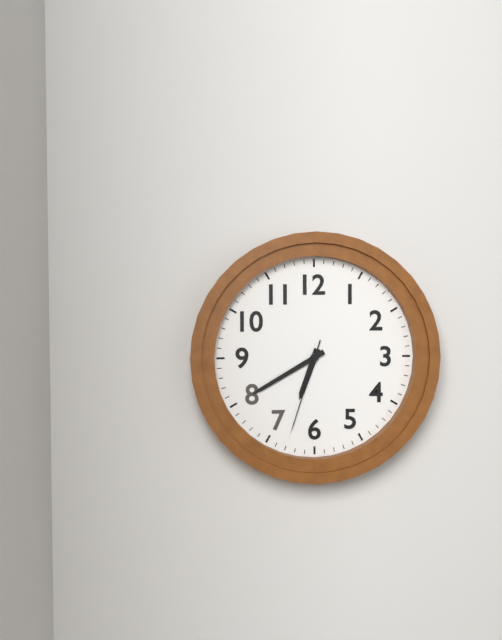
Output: **6:40:33**
